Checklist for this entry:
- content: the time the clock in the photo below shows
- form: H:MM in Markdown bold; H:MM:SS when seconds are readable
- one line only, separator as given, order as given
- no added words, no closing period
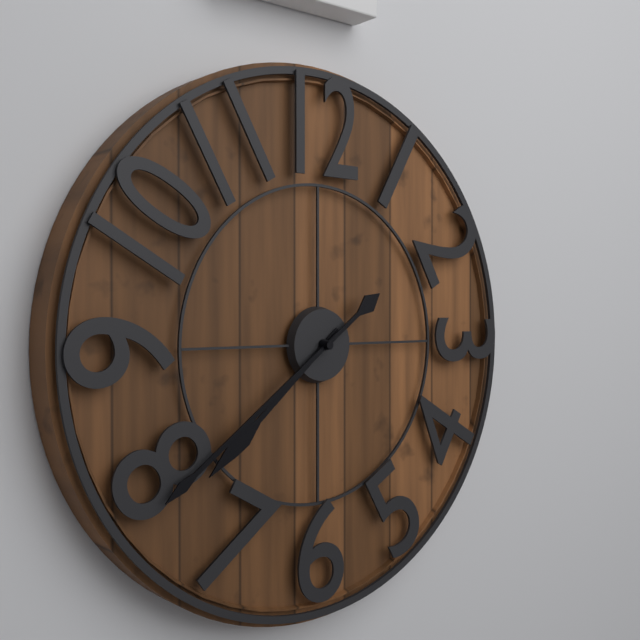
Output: **7:39**
